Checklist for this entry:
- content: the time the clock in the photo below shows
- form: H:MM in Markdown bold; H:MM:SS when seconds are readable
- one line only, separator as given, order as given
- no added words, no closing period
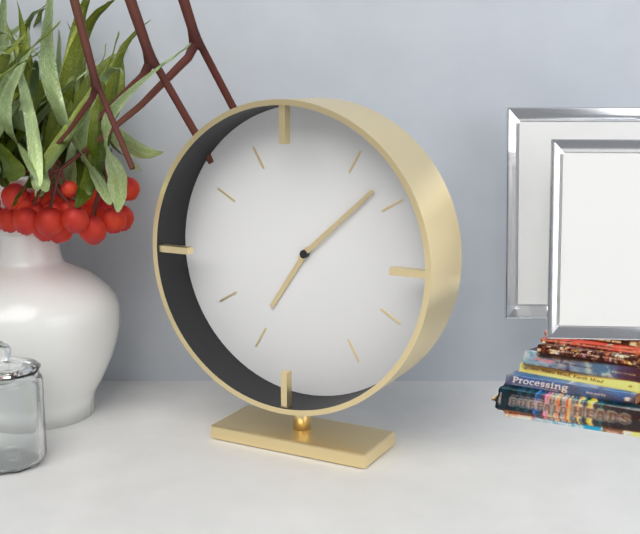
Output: **7:08**
